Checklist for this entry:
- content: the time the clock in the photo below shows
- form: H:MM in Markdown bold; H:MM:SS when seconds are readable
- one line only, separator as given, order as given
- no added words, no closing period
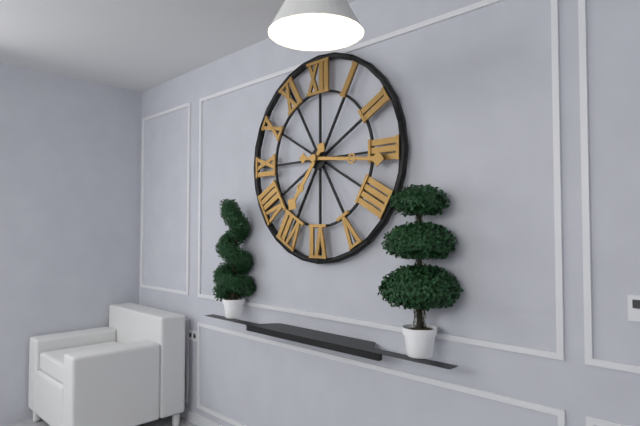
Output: **7:16**
